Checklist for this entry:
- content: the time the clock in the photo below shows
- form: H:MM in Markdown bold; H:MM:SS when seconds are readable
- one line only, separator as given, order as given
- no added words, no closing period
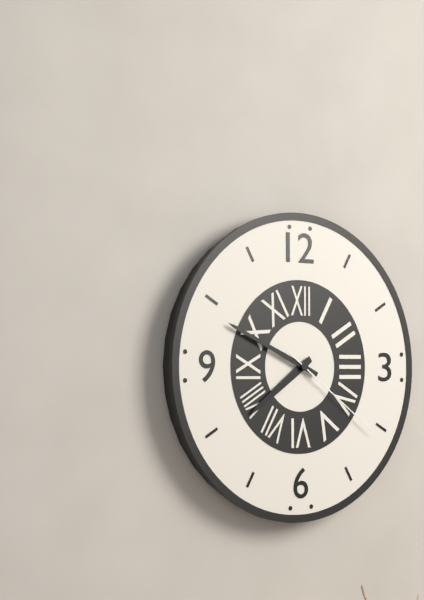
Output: **7:49:21**
